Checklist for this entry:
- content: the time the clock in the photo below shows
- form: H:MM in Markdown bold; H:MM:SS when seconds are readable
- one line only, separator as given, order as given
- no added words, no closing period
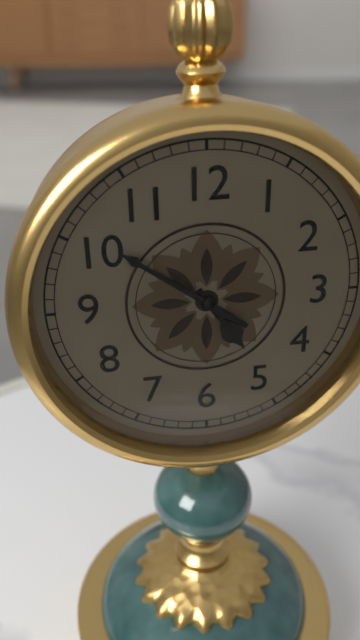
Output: **4:51**
